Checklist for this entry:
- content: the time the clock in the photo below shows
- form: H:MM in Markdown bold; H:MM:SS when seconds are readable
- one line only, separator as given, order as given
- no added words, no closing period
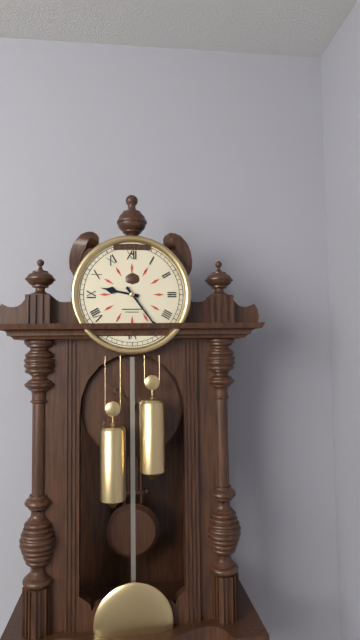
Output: **9:24**
